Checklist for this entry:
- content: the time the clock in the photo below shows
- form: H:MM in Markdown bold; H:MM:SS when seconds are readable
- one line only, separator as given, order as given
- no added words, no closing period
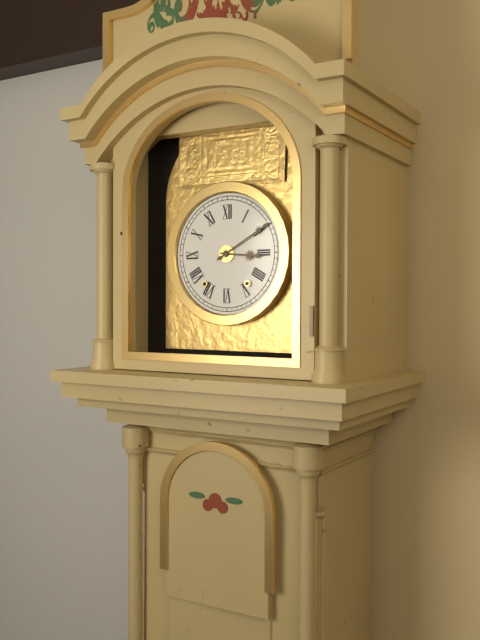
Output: **3:10**
